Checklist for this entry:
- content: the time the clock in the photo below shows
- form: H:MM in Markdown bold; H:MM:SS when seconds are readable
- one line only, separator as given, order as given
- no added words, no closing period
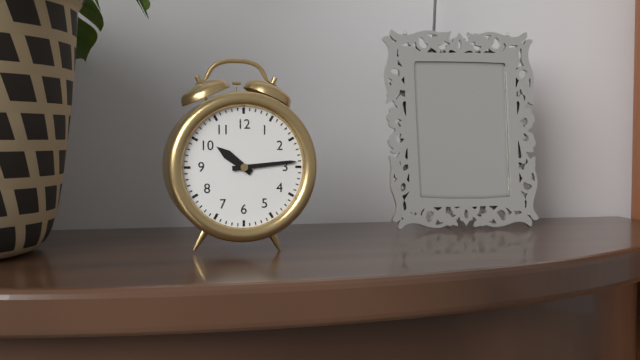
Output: **10:14**
